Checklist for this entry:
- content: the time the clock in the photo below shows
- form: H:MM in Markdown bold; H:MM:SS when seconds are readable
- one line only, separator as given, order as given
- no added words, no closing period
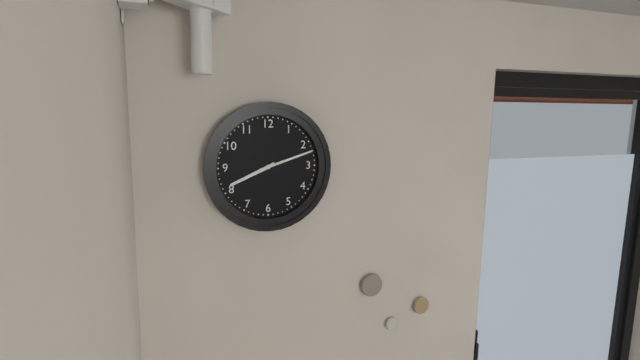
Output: **8:12**
